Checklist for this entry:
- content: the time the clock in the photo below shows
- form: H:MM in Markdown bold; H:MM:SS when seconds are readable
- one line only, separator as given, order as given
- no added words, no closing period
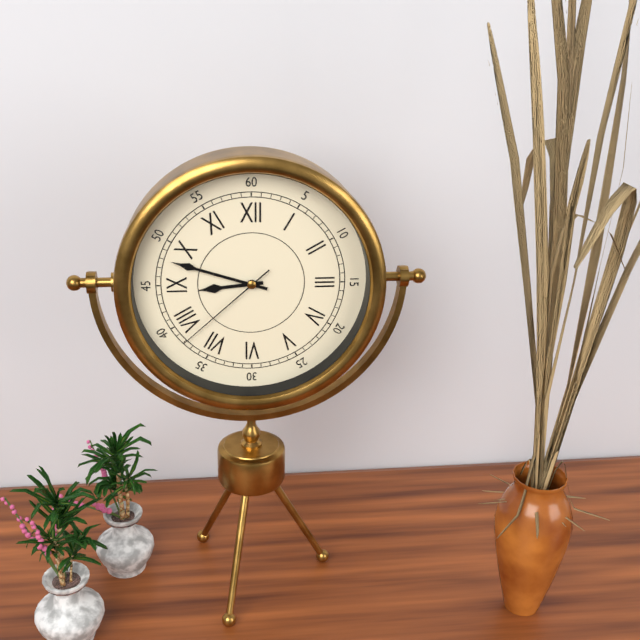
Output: **8:48:38**
